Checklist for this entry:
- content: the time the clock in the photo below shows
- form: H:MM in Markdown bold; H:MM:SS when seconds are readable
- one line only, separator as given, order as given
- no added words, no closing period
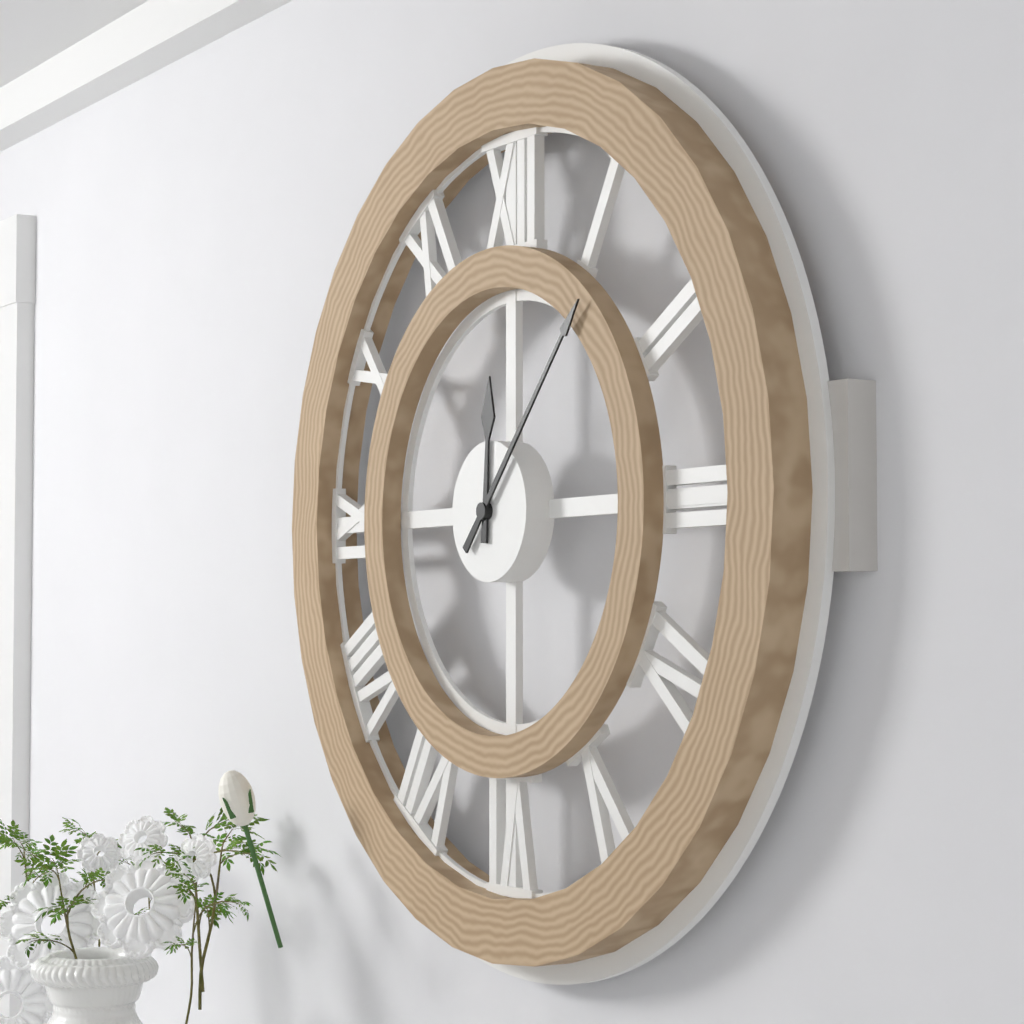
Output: **12:07**
